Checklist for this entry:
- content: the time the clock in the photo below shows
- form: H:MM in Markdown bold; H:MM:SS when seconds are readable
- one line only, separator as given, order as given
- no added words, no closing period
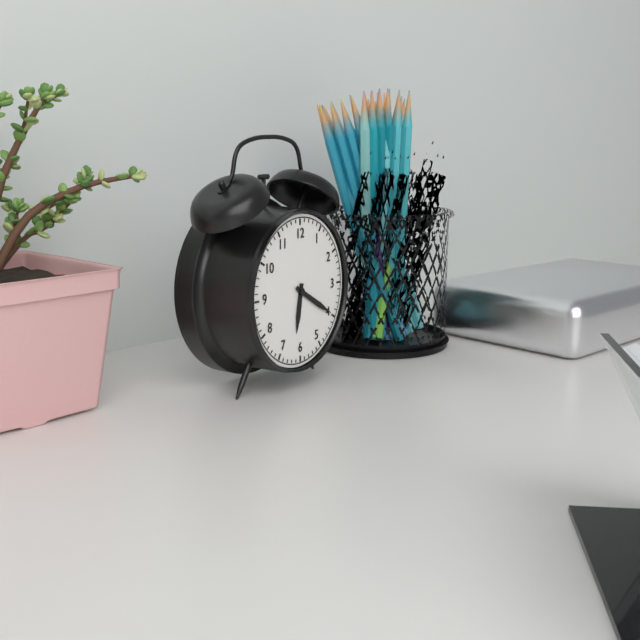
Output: **6:20**
